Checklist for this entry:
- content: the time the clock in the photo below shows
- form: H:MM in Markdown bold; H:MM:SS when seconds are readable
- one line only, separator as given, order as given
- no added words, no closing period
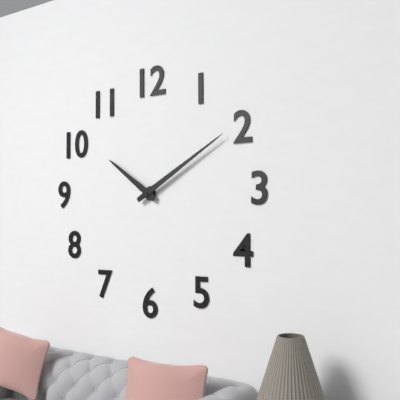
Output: **10:10**
